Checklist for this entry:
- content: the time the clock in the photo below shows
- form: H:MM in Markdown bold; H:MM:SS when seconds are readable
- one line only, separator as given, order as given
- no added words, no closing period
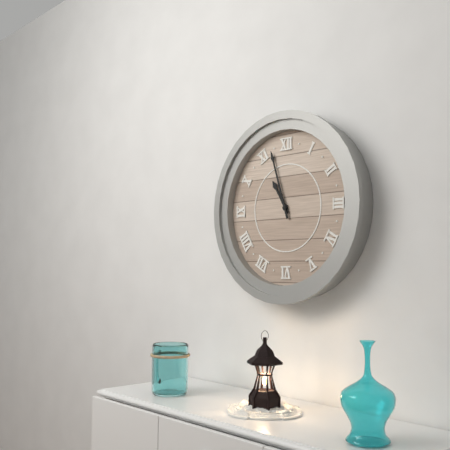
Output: **10:57**
